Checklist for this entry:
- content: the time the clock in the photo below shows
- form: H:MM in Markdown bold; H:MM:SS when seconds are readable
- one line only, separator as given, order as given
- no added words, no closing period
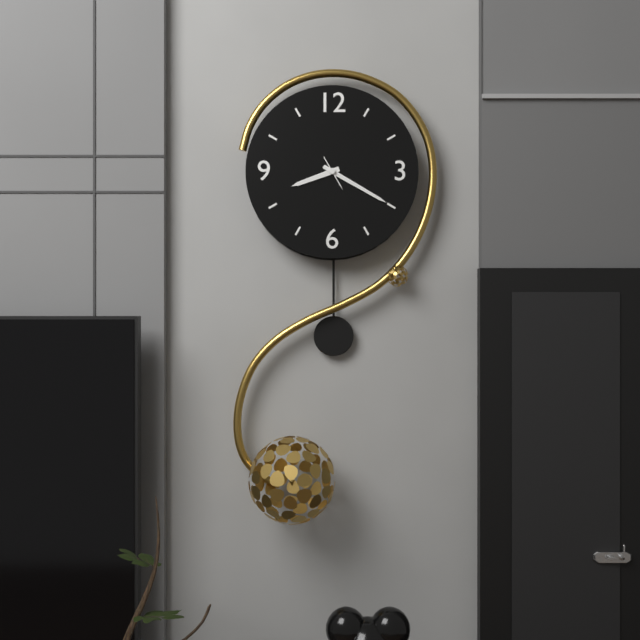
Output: **8:20**
